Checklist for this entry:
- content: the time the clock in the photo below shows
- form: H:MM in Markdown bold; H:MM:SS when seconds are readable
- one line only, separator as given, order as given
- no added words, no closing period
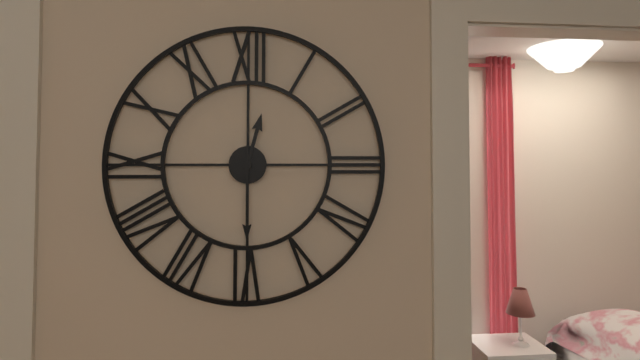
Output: **12:30**
